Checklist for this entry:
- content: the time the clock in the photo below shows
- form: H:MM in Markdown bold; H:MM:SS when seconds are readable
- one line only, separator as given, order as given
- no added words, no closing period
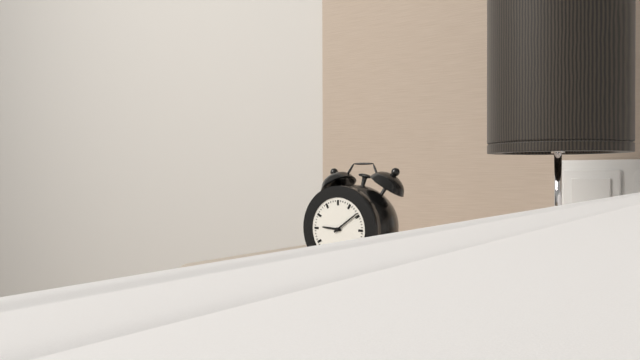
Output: **9:09**
